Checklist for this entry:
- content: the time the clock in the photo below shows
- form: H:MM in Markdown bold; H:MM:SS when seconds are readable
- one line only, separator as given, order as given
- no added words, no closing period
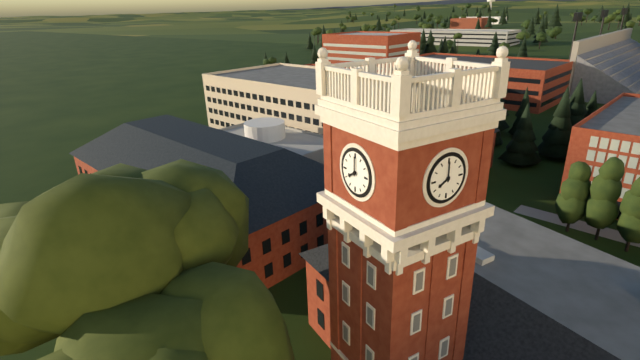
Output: **8:00**
